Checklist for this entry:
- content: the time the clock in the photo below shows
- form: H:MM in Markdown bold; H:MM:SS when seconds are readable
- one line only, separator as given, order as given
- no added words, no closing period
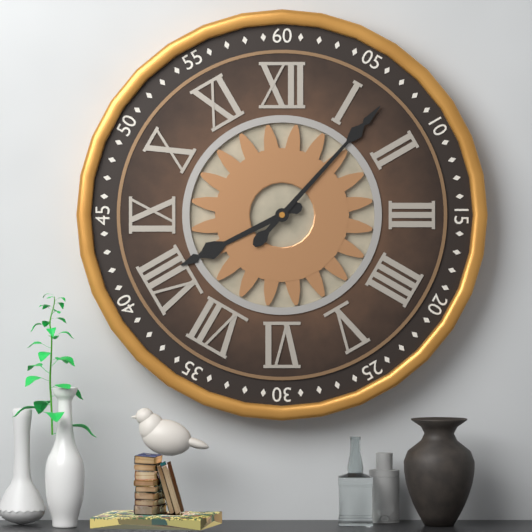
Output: **8:07**
